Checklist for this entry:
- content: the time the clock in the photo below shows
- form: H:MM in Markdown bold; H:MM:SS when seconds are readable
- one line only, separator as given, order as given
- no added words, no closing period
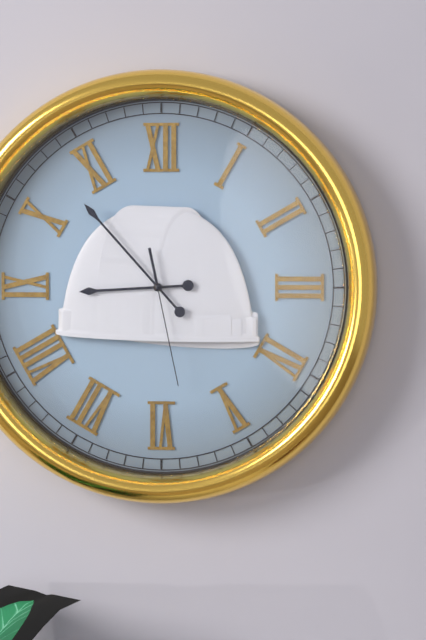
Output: **8:53:28**
